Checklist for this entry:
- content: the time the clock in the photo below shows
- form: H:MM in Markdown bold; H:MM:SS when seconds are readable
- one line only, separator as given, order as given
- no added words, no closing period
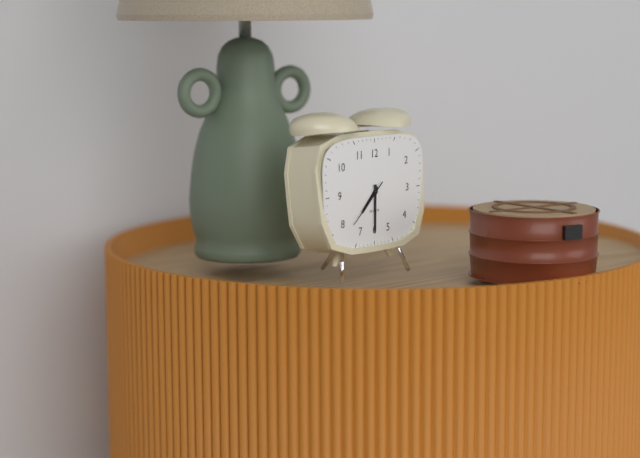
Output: **7:30**
